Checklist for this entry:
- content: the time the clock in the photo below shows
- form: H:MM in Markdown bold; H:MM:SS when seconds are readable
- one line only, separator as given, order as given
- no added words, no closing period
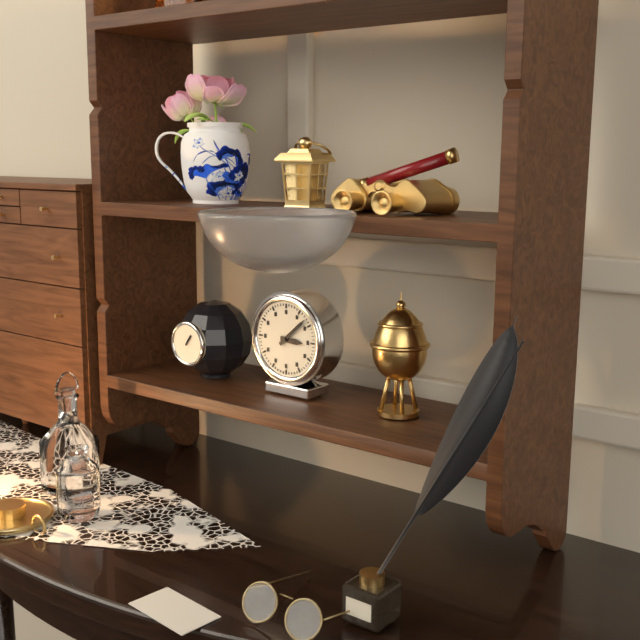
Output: **3:08**
